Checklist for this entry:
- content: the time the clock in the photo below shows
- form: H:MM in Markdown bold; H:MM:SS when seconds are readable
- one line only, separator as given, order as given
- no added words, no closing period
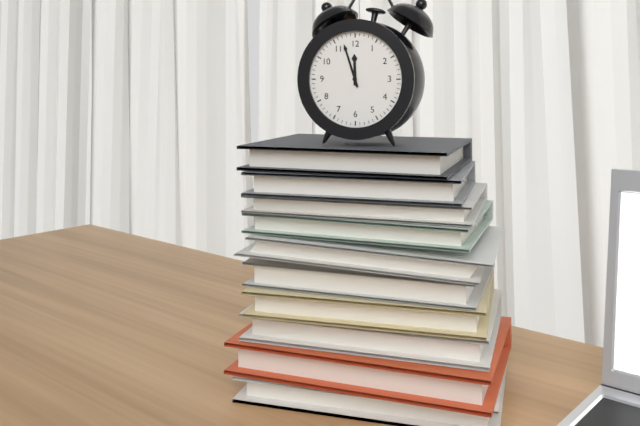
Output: **11:57**
